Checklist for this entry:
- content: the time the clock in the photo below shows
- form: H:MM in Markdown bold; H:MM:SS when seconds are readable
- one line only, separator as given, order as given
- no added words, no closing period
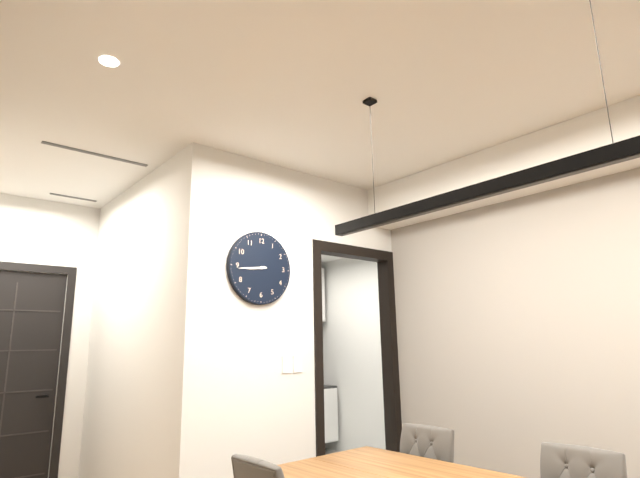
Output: **8:44**
